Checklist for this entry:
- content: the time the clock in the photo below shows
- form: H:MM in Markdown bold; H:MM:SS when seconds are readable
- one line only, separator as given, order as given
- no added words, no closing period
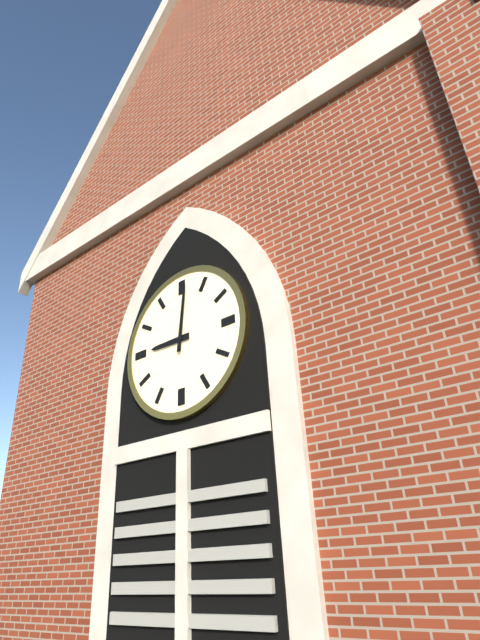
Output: **9:01**
